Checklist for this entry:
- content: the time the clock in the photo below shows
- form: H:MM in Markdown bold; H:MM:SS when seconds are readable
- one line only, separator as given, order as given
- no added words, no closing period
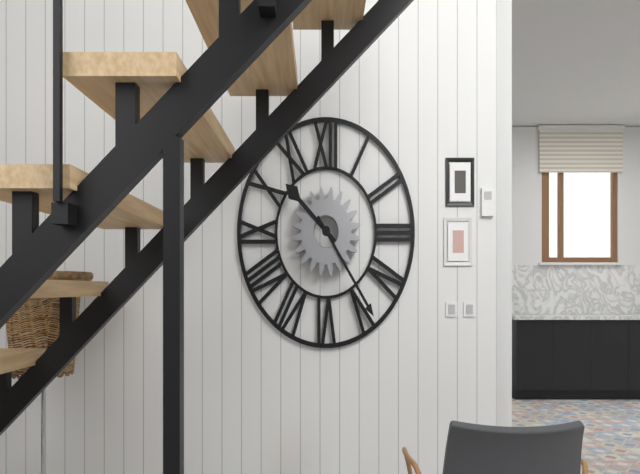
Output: **10:24**
